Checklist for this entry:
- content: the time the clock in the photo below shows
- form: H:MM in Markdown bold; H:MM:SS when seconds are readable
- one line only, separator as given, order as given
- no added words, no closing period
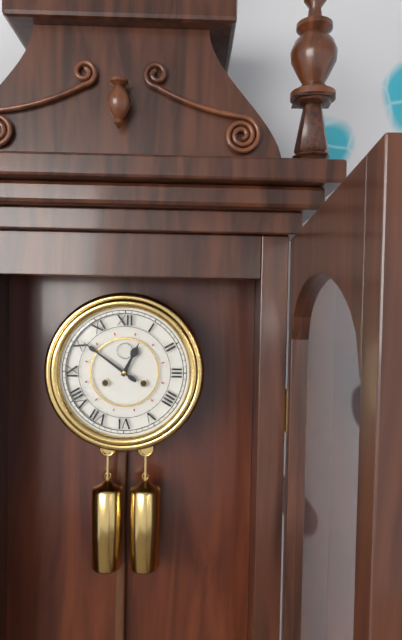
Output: **12:51**
